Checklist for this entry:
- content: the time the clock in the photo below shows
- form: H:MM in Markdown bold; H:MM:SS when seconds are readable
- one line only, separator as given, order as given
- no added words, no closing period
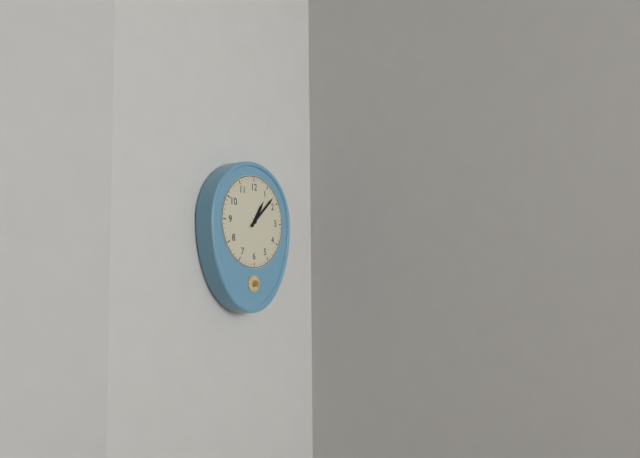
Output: **1:08**
